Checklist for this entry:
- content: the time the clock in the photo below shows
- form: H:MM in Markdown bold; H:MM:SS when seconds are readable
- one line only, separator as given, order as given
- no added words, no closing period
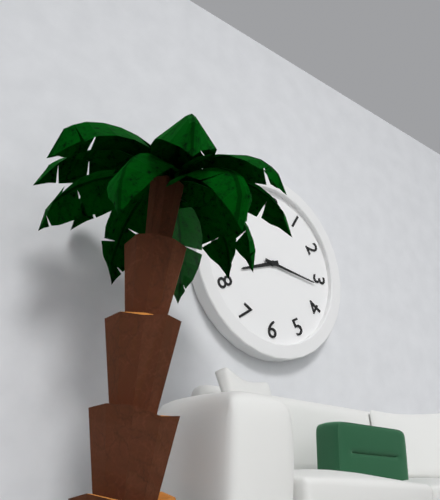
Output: **8:16**
